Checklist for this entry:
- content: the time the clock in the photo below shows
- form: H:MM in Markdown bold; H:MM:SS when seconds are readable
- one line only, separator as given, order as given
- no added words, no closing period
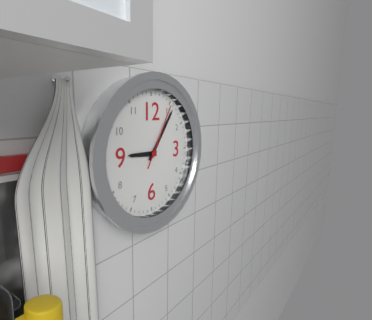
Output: **9:06:05**
